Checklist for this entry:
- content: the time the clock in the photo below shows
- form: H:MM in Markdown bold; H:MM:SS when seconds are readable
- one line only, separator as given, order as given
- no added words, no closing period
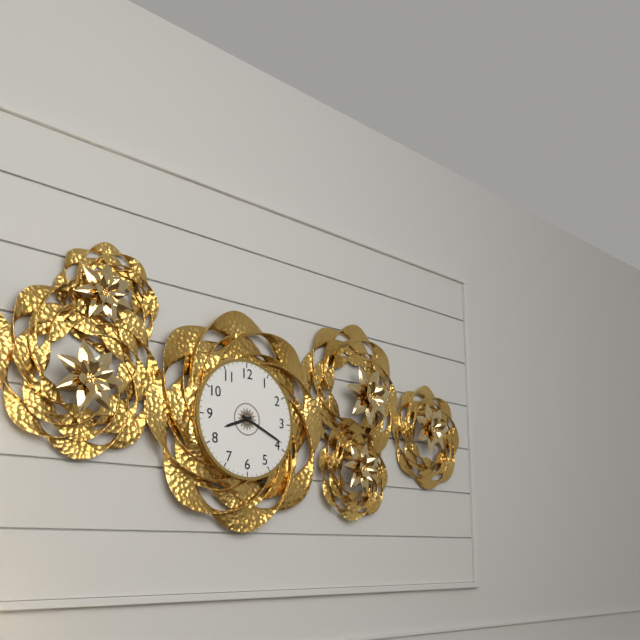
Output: **8:19**
